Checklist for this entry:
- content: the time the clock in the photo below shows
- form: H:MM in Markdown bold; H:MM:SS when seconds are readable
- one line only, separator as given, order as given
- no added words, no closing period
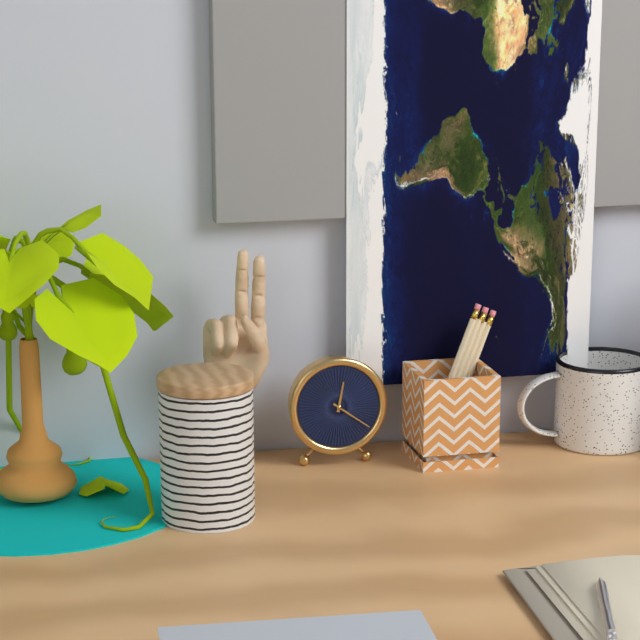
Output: **12:21**
